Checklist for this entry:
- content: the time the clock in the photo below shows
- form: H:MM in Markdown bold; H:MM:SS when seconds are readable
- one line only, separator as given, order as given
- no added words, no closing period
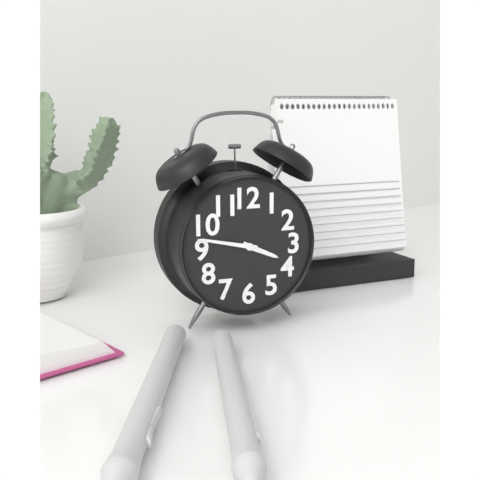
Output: **3:47**
